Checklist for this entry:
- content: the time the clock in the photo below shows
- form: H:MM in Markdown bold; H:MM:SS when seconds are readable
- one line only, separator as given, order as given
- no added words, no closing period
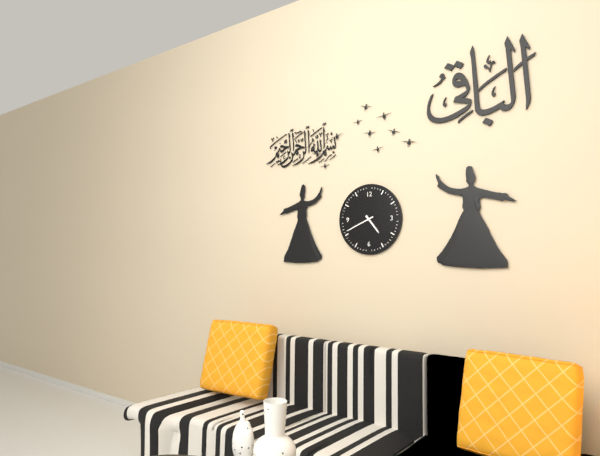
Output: **4:41**
